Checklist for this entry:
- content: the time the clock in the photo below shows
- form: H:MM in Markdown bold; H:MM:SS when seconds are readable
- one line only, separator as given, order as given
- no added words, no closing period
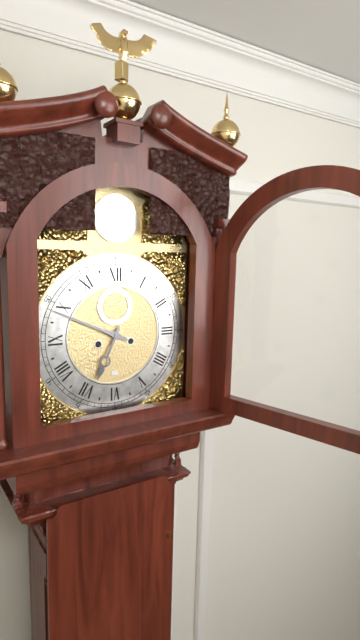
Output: **6:49**
